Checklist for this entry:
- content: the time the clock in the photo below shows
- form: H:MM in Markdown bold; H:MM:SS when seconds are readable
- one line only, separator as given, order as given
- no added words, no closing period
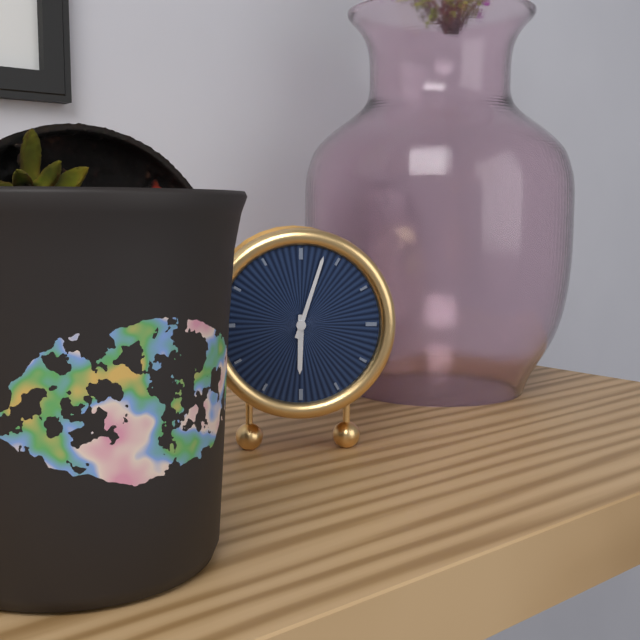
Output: **6:03**
